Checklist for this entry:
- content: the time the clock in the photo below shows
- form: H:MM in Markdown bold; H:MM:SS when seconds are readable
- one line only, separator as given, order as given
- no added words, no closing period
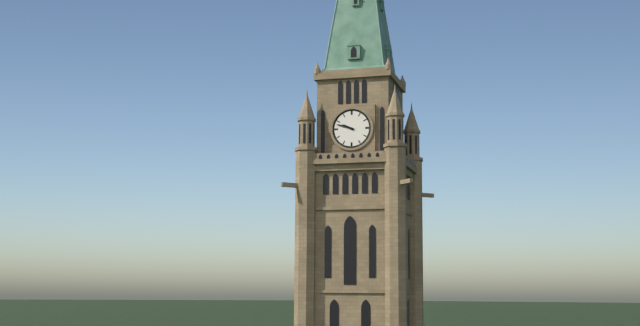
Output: **9:48**
